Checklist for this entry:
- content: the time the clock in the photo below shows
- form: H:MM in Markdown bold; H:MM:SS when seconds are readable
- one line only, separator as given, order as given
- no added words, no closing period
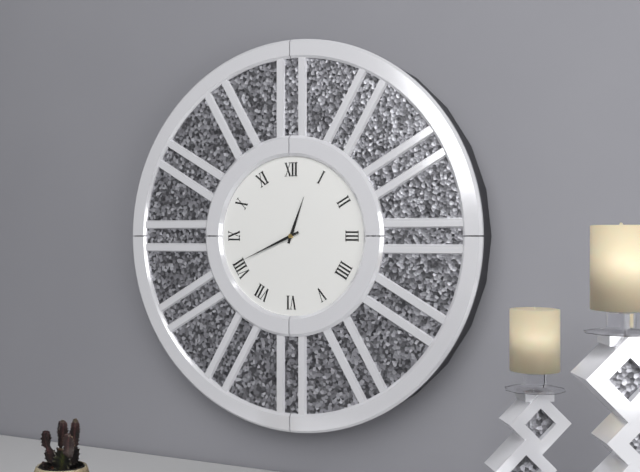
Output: **12:41**
